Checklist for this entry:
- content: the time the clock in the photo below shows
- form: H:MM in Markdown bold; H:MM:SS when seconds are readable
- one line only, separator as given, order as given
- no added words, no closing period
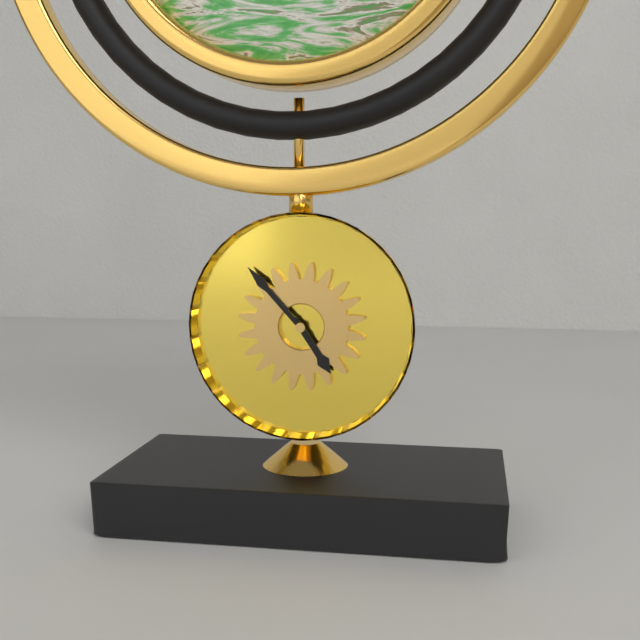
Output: **4:53**
